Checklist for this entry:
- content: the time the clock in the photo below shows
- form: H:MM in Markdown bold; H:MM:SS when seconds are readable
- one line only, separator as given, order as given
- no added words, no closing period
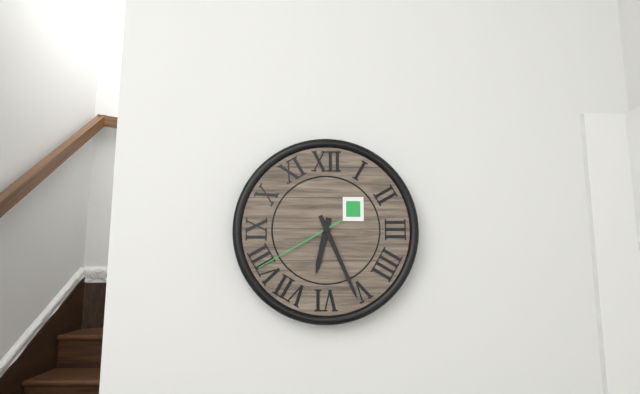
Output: **6:26:40**
